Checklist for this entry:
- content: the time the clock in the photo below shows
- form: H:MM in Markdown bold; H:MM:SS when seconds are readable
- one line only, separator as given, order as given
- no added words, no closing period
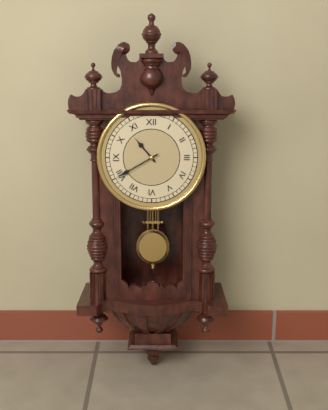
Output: **10:40**
